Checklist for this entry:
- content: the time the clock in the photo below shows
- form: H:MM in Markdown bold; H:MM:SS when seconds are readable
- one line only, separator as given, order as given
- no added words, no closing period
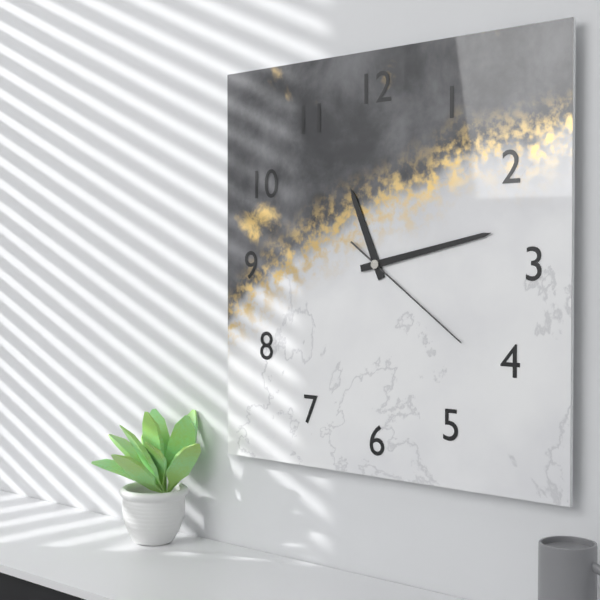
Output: **11:13:21**
